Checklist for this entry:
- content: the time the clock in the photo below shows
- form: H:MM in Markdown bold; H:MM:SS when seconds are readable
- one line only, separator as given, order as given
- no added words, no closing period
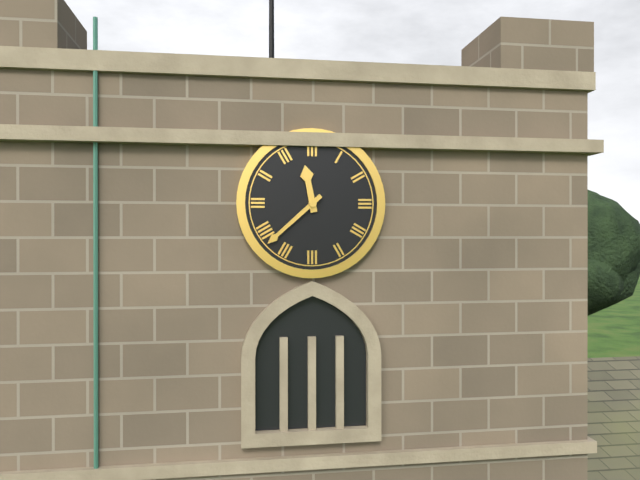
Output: **11:38**
